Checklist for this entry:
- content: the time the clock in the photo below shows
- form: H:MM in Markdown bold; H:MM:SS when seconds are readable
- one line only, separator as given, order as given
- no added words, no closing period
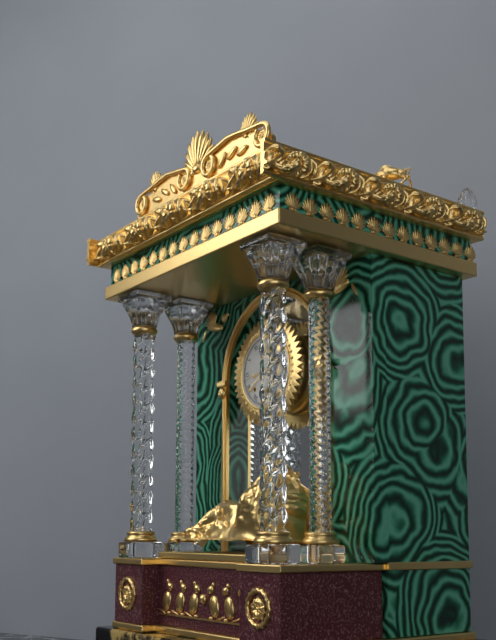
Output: **8:39**
